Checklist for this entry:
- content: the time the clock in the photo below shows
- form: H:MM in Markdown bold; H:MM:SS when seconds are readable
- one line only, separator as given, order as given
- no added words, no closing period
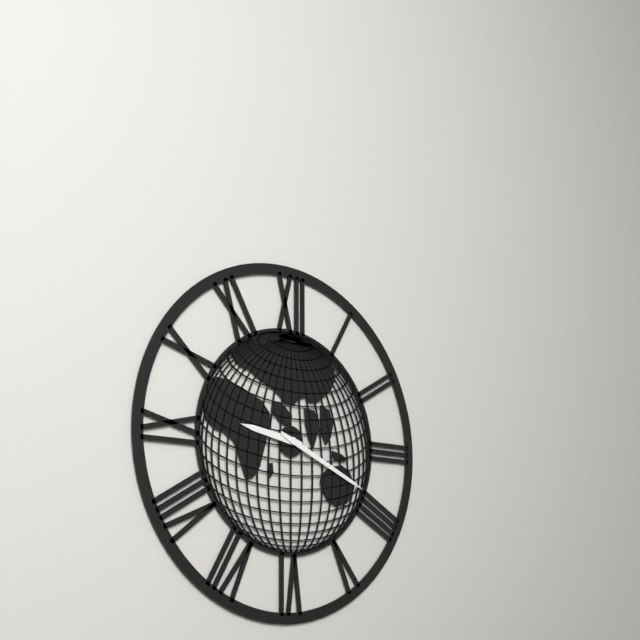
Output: **9:19**
